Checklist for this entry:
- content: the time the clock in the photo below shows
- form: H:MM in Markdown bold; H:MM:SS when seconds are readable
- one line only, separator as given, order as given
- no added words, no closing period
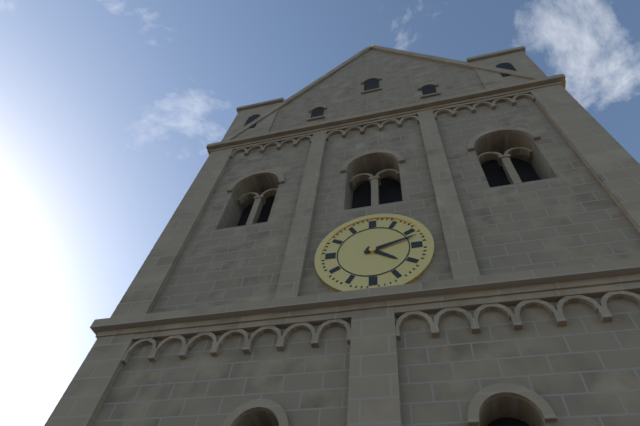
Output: **4:12**
